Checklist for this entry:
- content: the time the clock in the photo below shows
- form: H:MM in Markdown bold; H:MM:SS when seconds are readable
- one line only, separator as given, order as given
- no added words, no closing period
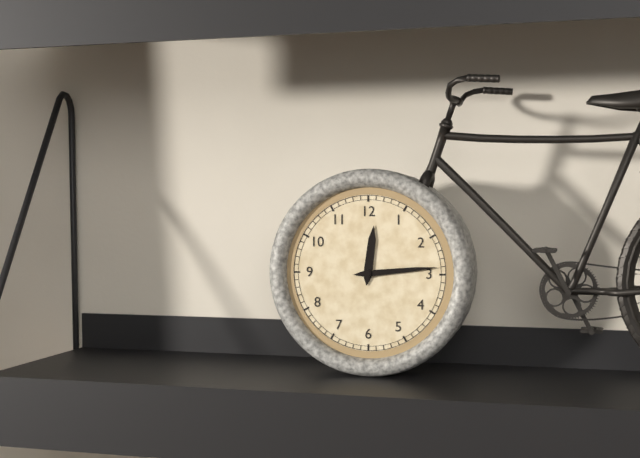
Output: **12:14**
